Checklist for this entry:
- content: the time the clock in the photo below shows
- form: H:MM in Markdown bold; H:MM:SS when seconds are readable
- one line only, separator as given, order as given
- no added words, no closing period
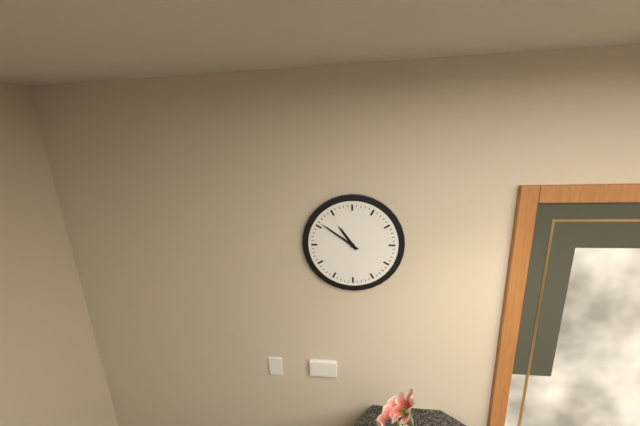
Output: **10:51**
